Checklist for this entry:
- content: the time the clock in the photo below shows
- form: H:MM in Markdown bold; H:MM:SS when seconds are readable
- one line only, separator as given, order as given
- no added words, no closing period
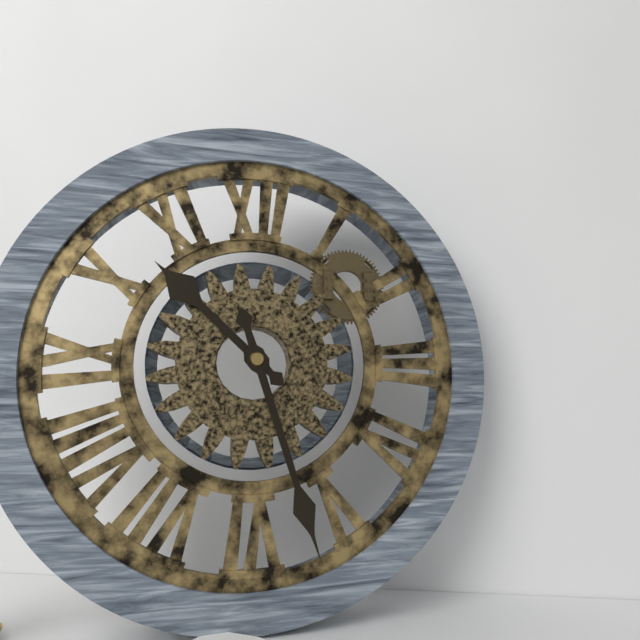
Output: **10:27**
